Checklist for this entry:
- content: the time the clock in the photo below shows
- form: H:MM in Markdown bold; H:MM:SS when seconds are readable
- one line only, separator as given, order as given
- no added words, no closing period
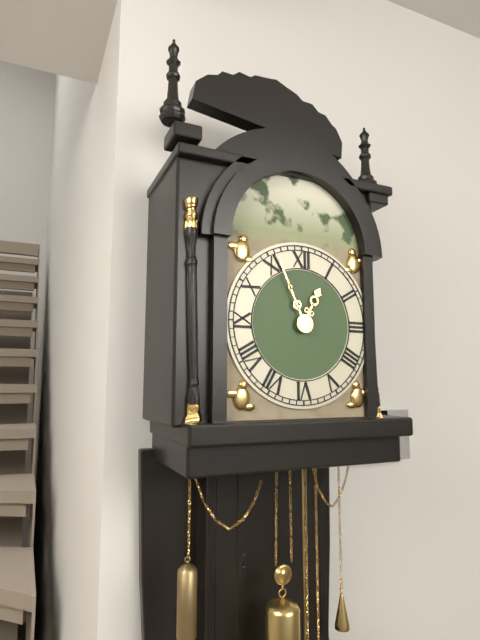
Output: **12:56**
